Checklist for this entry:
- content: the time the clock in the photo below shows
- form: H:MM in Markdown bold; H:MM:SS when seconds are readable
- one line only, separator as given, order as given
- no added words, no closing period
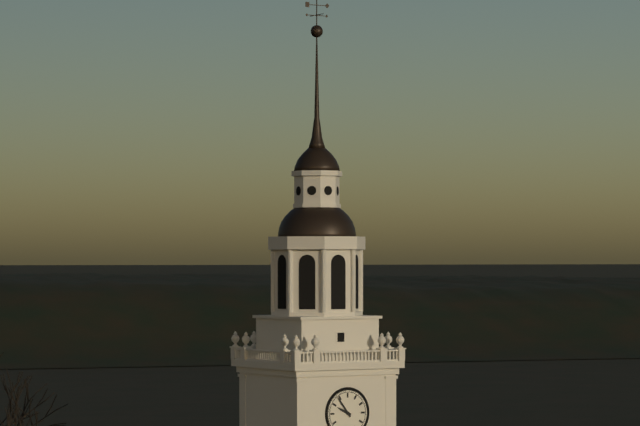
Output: **9:54**
